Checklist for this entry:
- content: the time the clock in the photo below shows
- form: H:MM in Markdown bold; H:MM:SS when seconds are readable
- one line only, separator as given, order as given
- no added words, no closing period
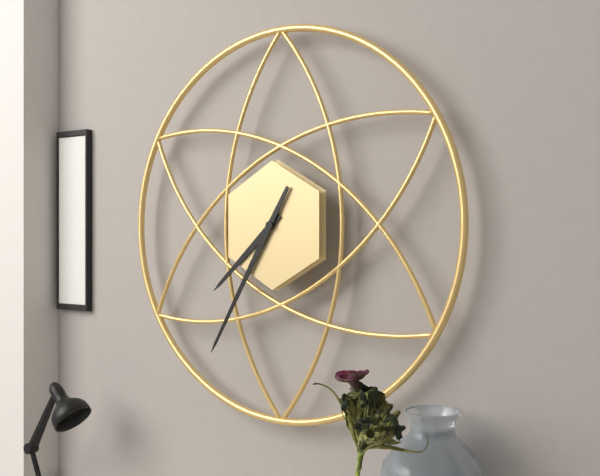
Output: **7:35**
